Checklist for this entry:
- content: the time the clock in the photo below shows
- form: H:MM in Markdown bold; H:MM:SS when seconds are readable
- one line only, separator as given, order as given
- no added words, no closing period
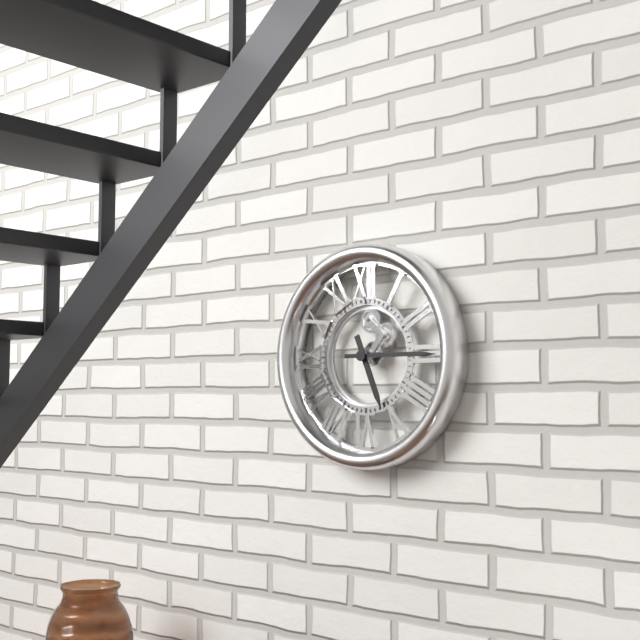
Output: **5:15**
